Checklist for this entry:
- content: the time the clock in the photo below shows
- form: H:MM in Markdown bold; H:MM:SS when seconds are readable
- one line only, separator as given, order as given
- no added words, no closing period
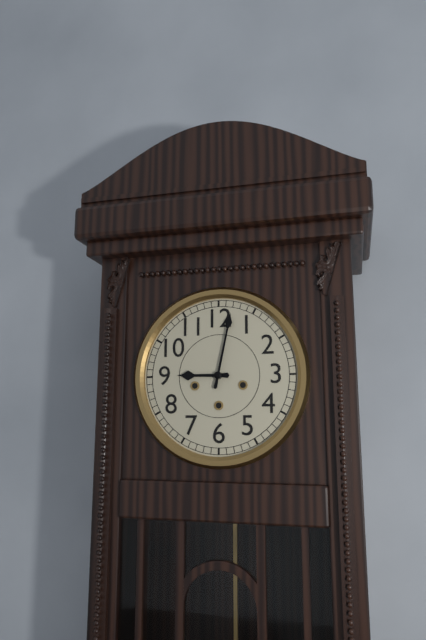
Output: **9:02**
